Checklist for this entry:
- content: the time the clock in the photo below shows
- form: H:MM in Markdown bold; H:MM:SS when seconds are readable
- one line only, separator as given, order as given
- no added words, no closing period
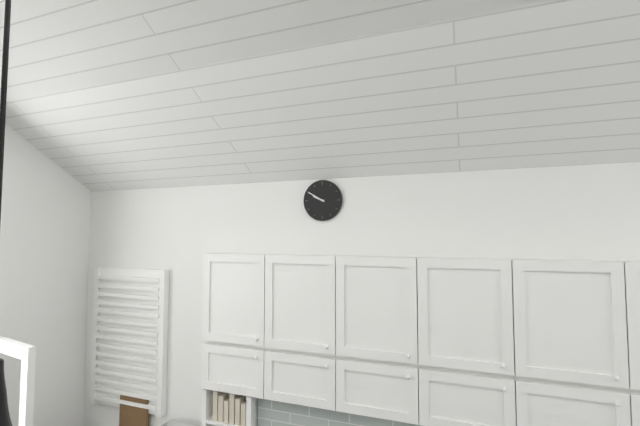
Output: **9:50**
